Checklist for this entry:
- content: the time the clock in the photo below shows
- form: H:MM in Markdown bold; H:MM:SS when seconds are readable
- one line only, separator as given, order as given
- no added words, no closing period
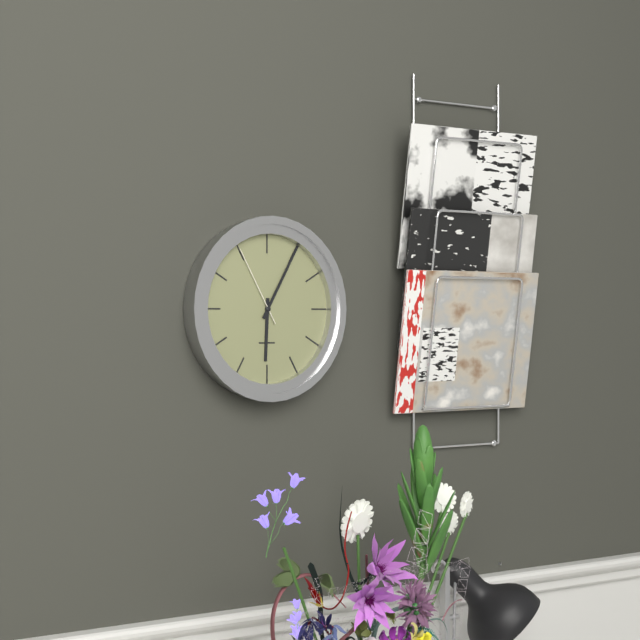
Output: **6:05:55**
